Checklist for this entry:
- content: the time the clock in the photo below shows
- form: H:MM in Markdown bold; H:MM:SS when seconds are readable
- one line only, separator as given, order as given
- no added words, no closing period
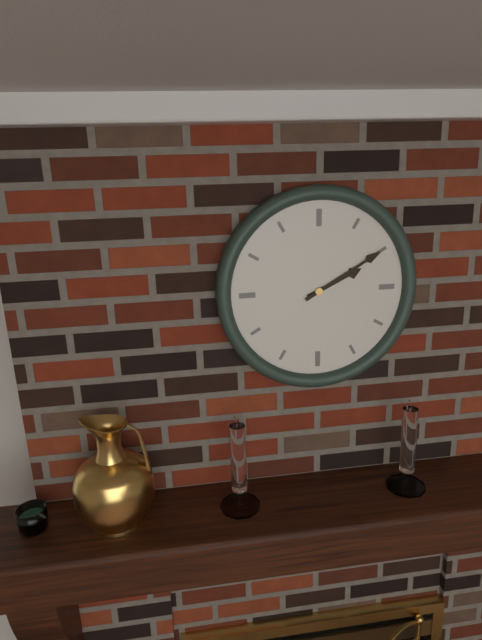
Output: **2:10**
